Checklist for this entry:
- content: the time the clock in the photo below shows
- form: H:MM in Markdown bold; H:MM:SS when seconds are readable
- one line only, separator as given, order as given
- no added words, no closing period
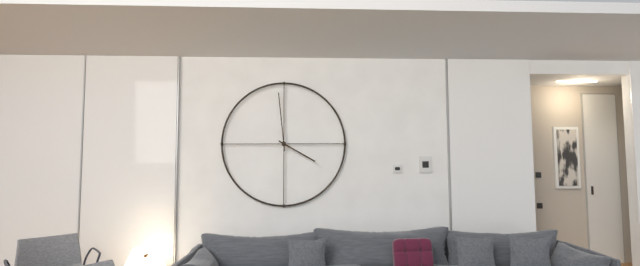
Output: **3:59**
